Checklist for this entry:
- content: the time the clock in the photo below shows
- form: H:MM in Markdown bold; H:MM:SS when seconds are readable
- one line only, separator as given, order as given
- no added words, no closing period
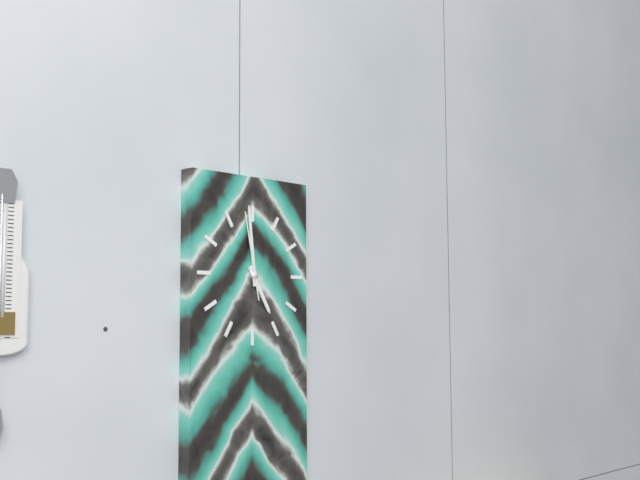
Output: **4:59:58**
